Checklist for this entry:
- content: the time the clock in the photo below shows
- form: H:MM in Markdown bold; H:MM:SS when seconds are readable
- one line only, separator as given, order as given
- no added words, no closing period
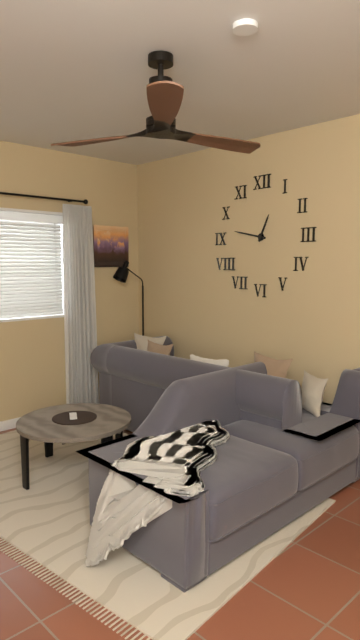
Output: **12:47**
